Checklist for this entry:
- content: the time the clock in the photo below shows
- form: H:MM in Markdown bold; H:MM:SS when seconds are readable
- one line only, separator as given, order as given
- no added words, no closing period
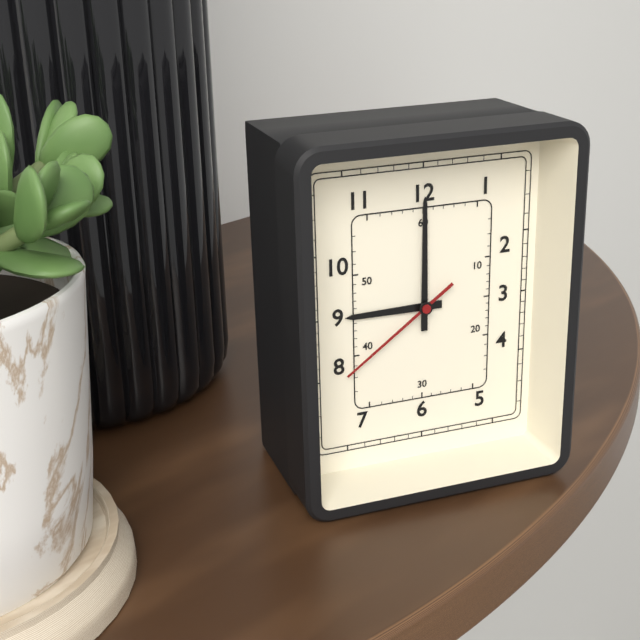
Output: **9:00:39**
